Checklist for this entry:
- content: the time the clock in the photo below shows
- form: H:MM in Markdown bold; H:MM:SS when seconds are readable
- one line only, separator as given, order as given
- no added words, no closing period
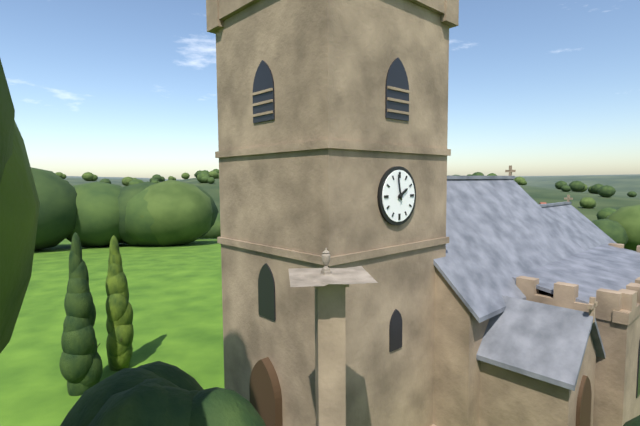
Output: **1:58**
